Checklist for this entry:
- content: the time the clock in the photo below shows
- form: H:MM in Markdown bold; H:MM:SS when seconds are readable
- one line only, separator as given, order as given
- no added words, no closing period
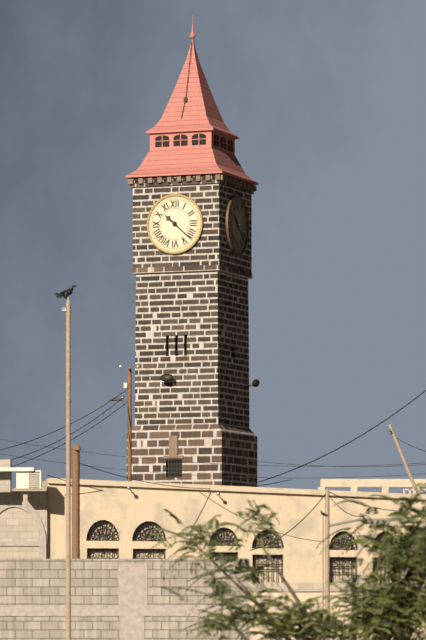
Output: **10:22**
